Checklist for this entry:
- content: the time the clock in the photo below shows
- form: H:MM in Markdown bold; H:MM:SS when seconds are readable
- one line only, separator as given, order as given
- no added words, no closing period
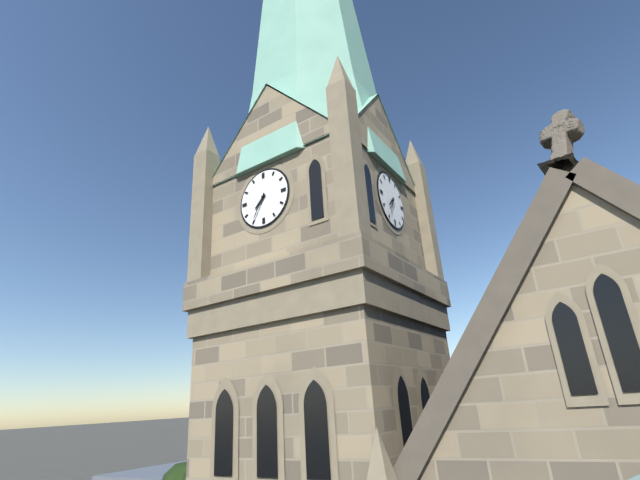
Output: **7:35**
